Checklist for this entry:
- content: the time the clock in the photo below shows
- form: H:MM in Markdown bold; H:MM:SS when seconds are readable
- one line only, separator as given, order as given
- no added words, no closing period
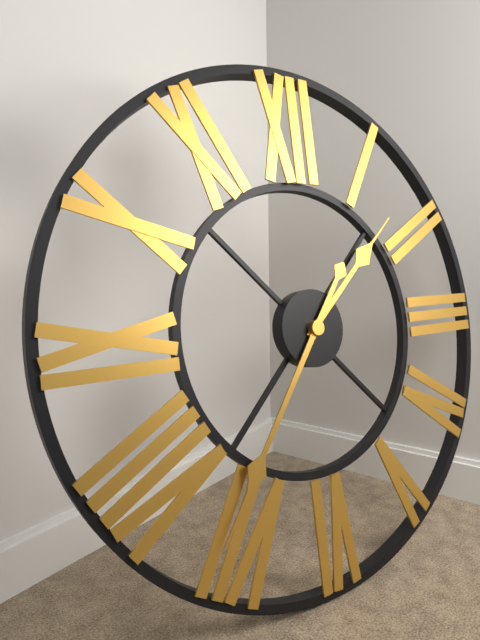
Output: **1:36**
